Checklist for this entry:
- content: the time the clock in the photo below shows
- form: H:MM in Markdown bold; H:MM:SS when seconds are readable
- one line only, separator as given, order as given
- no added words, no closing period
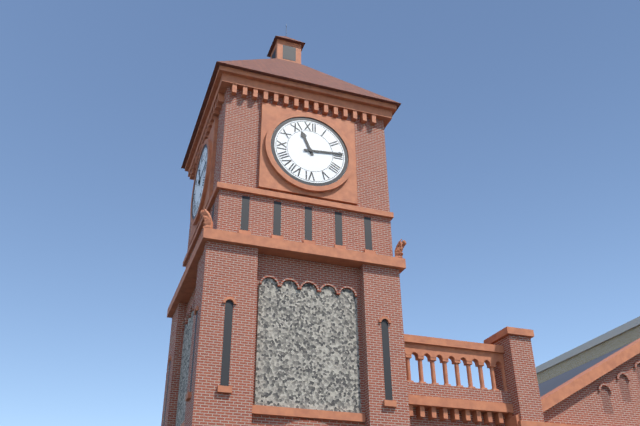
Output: **11:14**
